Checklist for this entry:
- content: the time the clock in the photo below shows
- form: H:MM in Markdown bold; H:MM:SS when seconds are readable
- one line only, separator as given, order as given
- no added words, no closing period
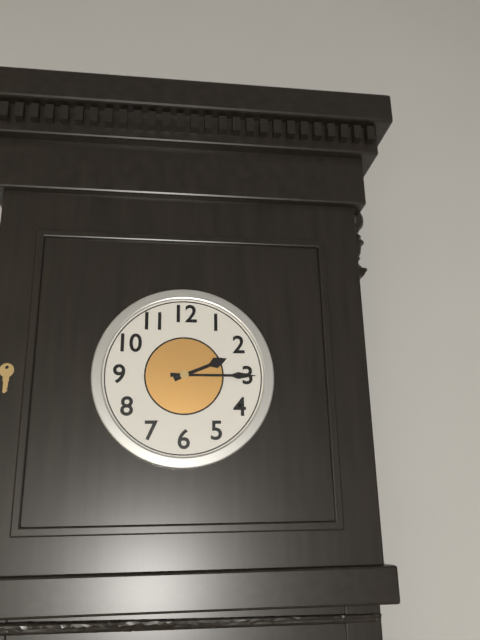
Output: **2:15**
